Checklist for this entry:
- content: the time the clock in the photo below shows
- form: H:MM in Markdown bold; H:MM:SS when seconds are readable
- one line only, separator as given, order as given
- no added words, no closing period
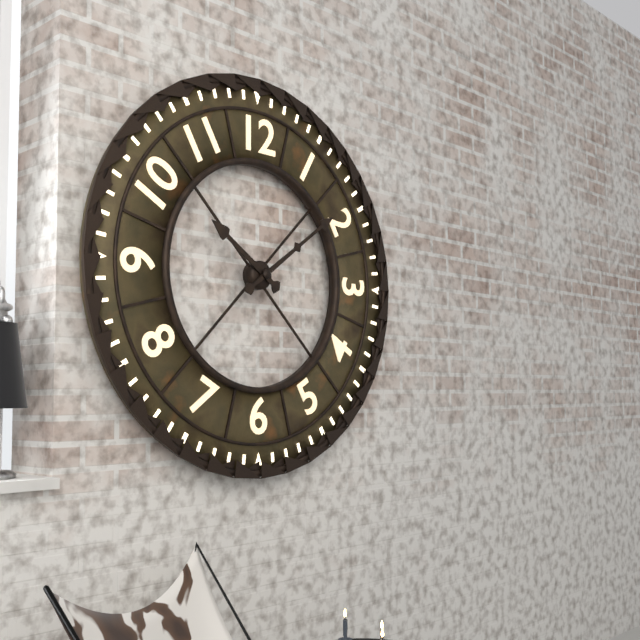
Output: **10:09**
